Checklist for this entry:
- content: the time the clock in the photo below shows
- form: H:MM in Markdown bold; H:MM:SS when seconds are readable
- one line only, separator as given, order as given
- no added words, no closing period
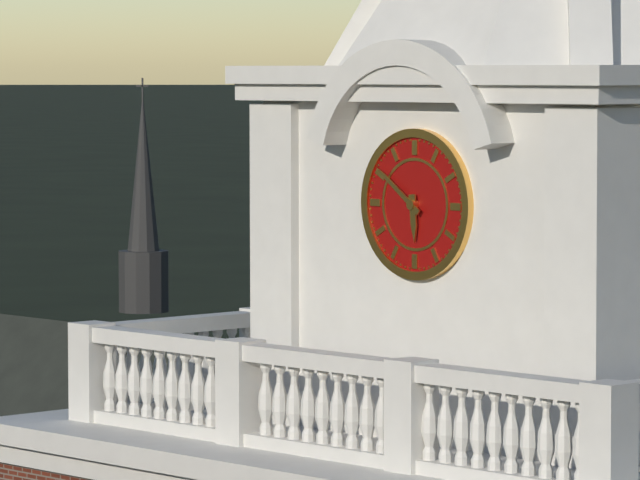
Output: **5:51**
